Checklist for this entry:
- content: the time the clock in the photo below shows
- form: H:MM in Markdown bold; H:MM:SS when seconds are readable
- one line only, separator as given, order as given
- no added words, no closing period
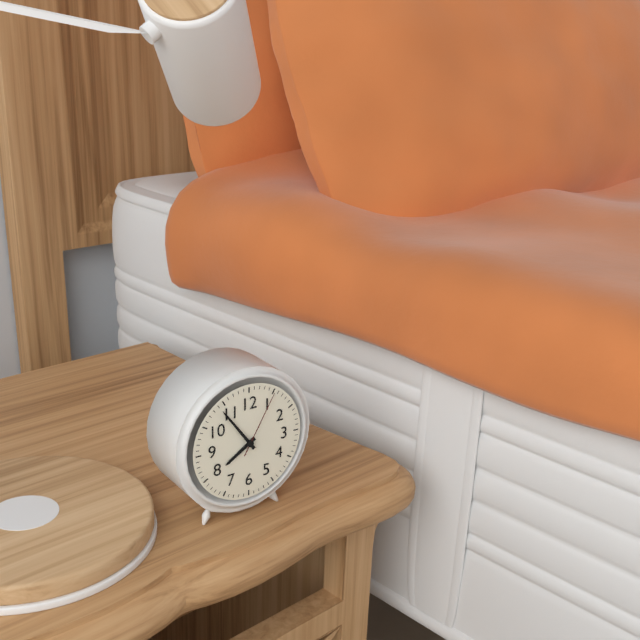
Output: **7:54:05**
